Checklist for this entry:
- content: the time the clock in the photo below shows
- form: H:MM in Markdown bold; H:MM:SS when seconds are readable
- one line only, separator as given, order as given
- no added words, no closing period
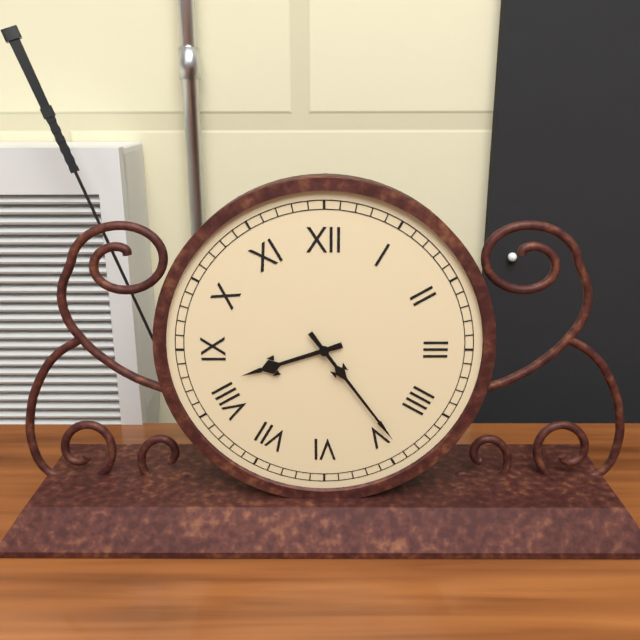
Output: **8:24**
